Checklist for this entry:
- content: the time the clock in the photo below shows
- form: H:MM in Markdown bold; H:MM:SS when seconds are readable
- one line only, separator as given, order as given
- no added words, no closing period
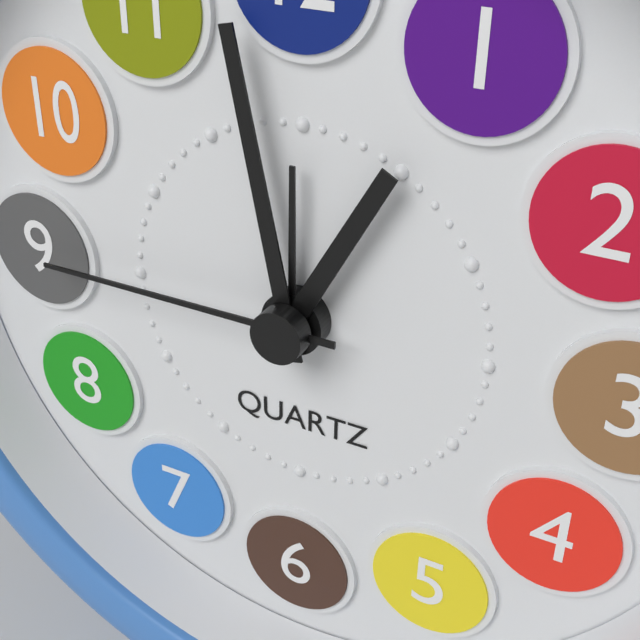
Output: **12:58:45**
